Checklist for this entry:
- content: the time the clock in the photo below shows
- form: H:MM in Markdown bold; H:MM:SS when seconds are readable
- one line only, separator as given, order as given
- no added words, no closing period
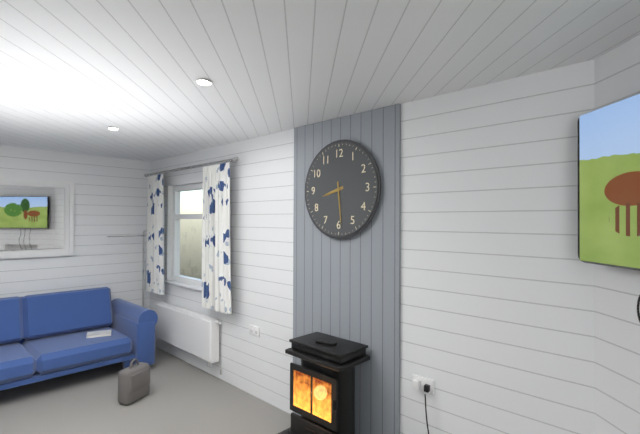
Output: **8:29**
